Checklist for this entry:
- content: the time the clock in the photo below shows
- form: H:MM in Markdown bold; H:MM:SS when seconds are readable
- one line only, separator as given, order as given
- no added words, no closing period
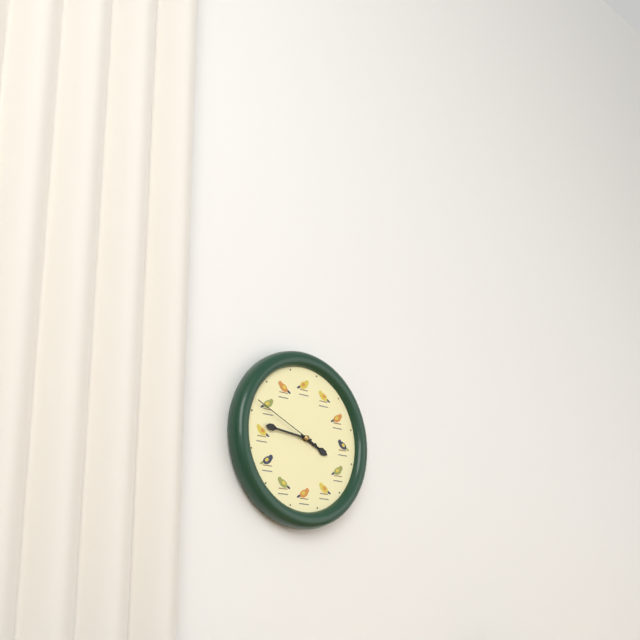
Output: **3:46:49**
